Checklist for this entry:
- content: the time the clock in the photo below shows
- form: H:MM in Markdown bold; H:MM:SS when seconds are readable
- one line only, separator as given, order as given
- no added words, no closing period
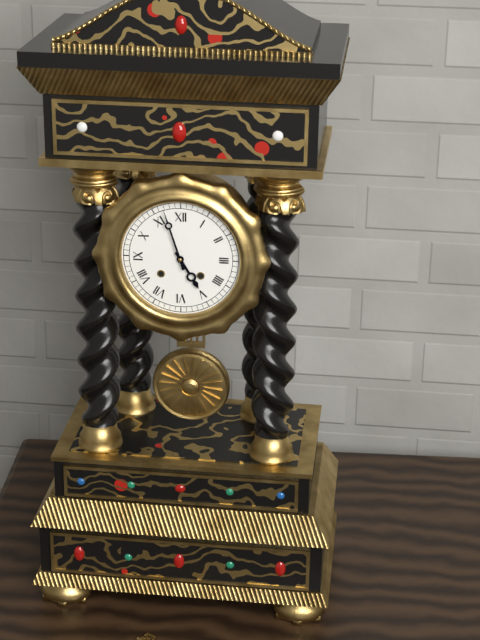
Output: **4:57**
